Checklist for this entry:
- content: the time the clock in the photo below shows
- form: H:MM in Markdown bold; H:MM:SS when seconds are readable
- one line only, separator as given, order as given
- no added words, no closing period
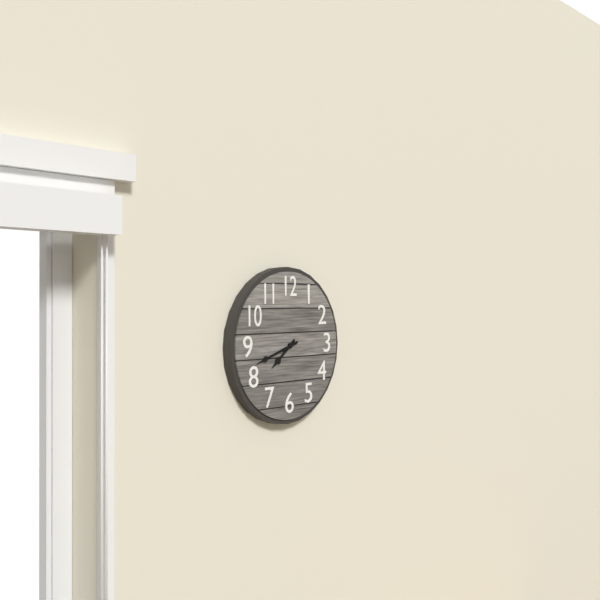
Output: **7:42**
